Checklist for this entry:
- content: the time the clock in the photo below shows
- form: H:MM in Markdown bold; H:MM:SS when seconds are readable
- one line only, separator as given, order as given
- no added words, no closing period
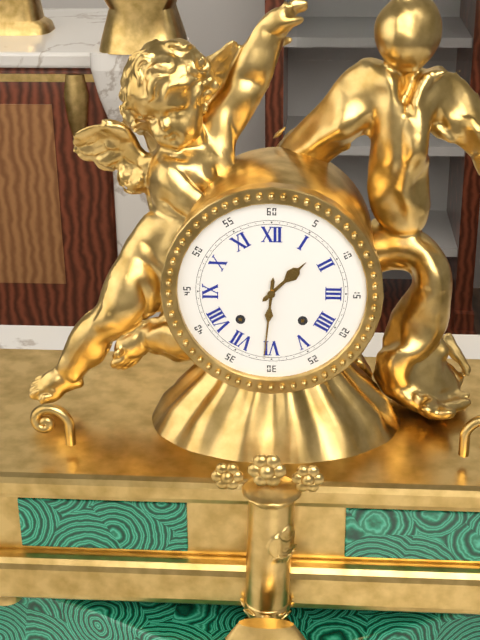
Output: **1:31**
